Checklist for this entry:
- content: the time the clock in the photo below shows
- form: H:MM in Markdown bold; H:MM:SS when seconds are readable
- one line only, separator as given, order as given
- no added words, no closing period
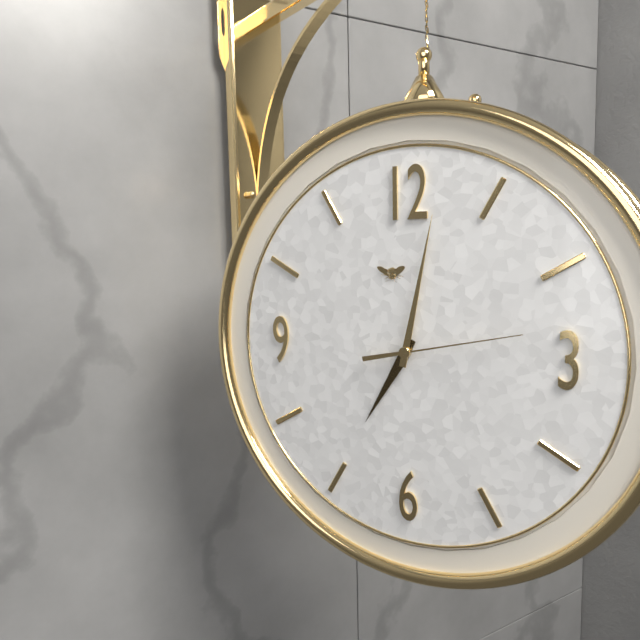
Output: **7:02:13**
